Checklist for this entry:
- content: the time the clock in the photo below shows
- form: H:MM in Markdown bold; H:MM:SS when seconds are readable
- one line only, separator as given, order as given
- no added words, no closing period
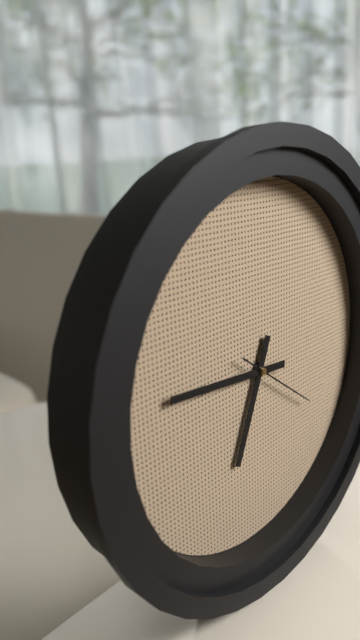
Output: **6:46:21**
